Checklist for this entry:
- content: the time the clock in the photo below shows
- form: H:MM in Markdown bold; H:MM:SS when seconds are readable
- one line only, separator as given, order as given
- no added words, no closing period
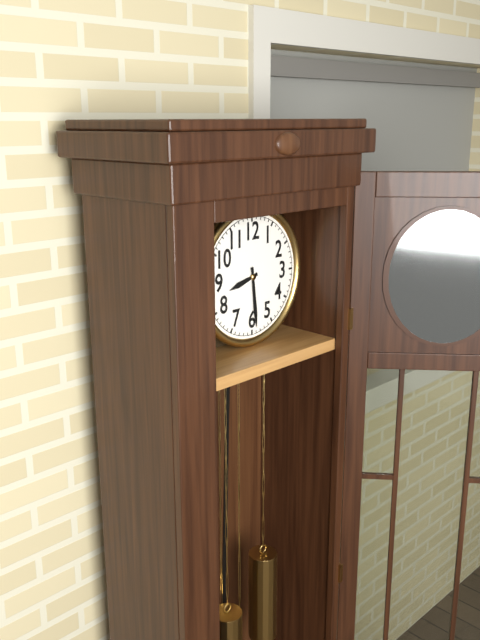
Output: **8:29**
